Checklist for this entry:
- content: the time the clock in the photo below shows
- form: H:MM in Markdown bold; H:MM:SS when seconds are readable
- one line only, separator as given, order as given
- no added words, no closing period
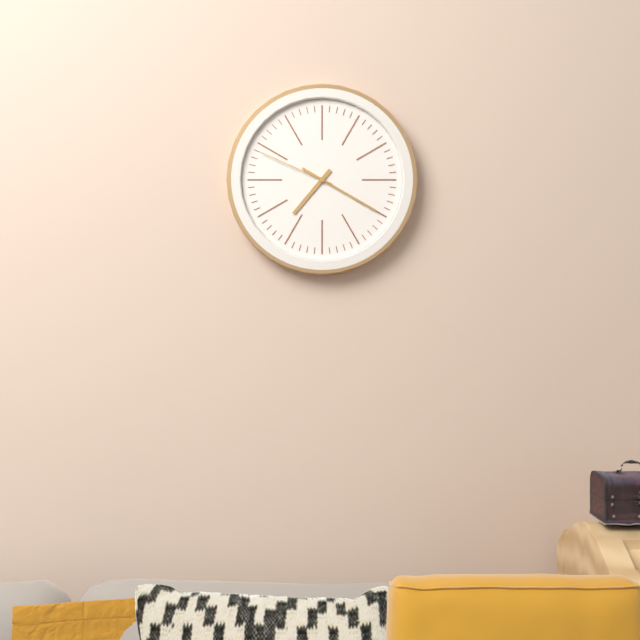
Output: **7:20:49**
